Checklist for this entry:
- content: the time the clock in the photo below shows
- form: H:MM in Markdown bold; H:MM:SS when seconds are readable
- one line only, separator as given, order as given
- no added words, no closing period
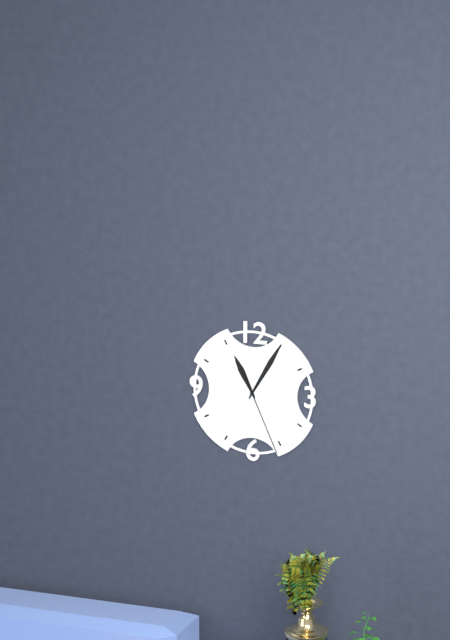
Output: **11:05:26**
